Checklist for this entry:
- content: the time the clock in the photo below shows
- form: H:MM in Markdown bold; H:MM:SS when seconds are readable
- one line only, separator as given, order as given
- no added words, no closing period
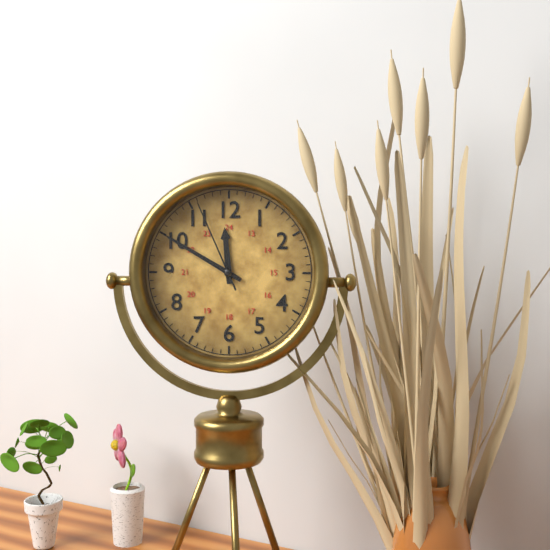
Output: **11:50:56**
